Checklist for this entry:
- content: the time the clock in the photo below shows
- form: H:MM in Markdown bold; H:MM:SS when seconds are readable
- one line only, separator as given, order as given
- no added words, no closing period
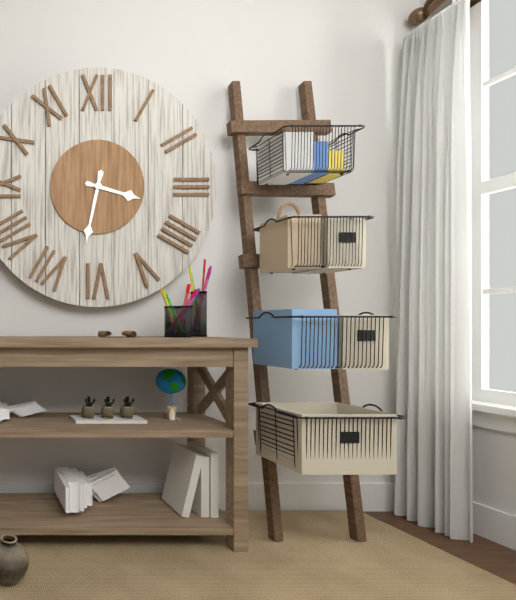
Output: **3:32**
